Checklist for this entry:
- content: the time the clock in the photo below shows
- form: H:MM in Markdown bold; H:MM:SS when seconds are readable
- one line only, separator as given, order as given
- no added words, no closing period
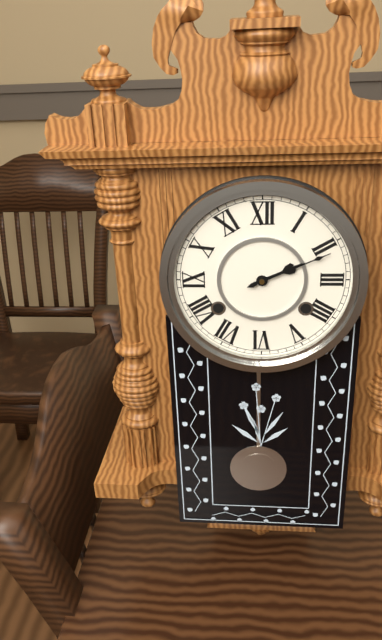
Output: **2:11**
